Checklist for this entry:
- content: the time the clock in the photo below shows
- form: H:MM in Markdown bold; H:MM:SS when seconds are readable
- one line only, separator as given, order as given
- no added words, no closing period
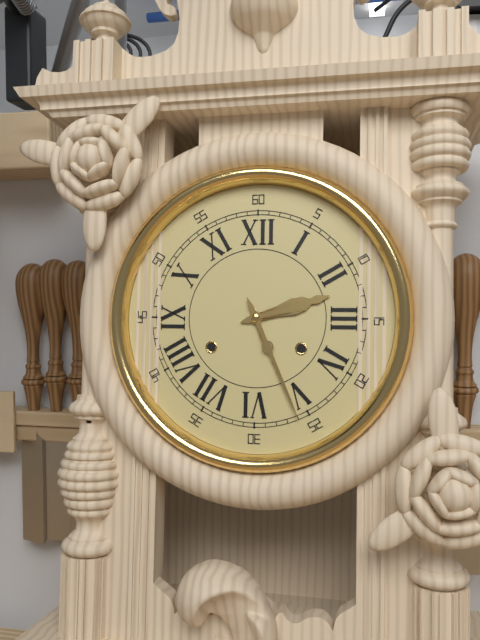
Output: **2:26**
